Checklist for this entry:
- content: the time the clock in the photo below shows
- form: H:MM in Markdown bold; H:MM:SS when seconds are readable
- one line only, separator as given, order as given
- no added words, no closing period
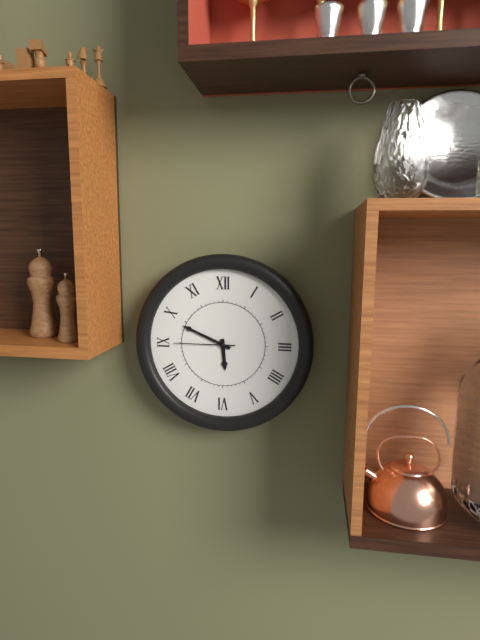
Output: **5:49:45**
